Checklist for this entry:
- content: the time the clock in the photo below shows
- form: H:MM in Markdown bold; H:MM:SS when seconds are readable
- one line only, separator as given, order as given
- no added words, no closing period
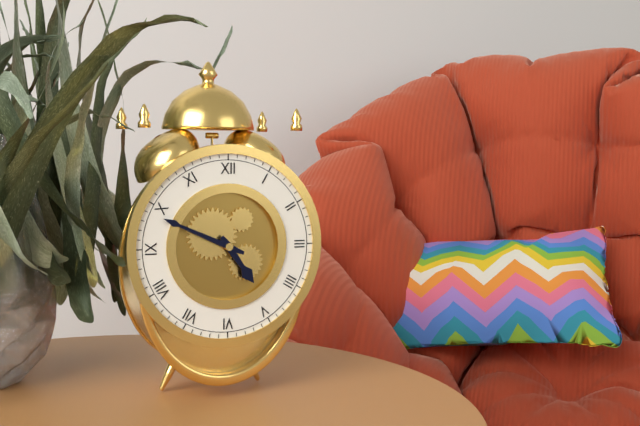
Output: **4:49**
